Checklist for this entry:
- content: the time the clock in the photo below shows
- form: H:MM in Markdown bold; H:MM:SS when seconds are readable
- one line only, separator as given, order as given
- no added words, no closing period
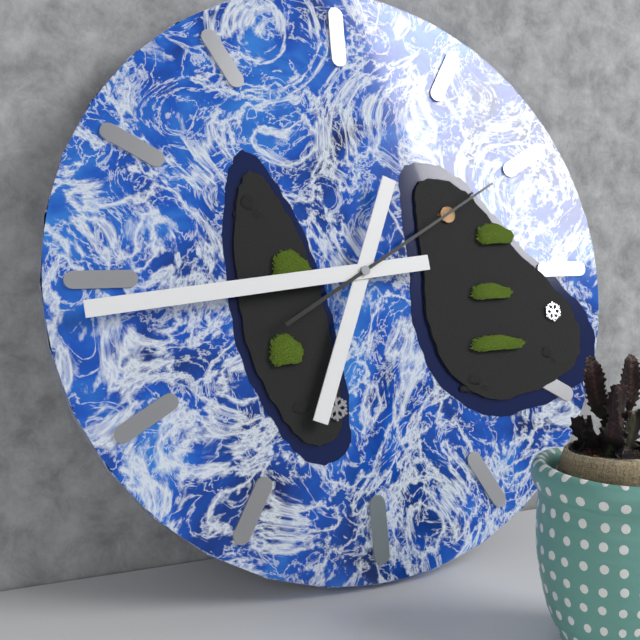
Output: **6:44:10**
